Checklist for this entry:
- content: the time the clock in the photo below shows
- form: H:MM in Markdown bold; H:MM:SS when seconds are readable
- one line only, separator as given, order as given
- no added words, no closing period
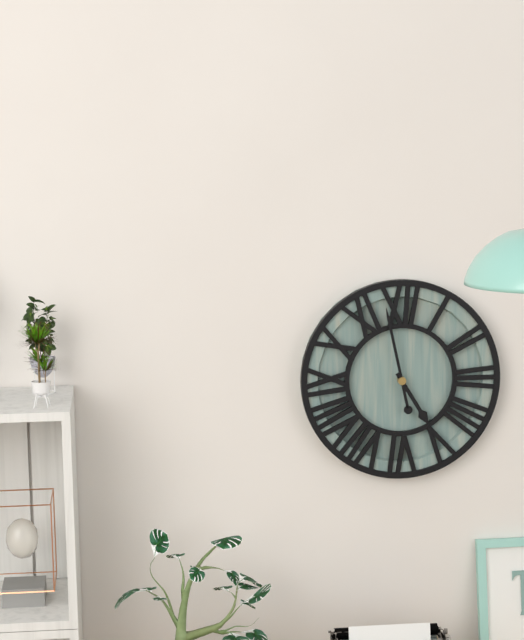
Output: **4:58**
